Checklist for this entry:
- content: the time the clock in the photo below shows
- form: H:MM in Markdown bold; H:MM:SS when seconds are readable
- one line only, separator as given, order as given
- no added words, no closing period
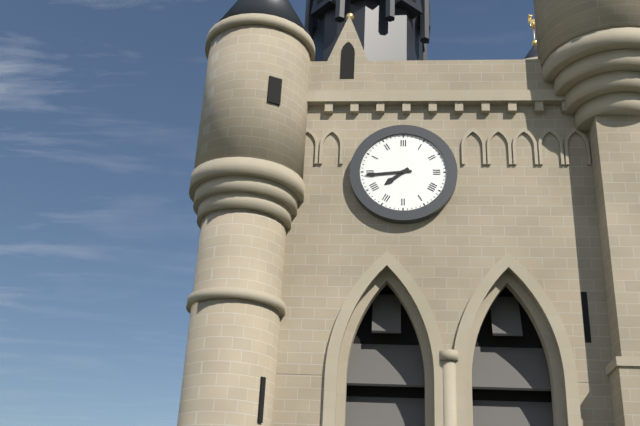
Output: **7:44**
